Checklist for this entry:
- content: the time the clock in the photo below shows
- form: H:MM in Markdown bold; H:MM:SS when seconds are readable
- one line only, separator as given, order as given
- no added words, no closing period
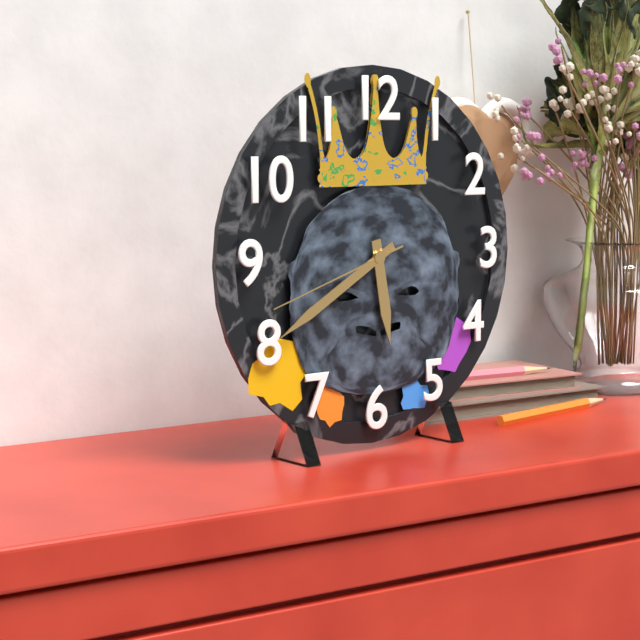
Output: **5:40:42**
